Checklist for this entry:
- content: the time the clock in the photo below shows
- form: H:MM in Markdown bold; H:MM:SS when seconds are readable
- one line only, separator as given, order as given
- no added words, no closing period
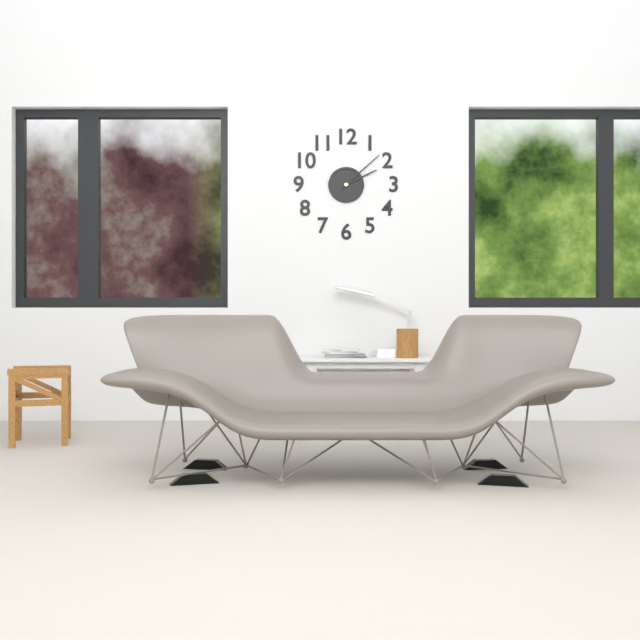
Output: **2:08**
